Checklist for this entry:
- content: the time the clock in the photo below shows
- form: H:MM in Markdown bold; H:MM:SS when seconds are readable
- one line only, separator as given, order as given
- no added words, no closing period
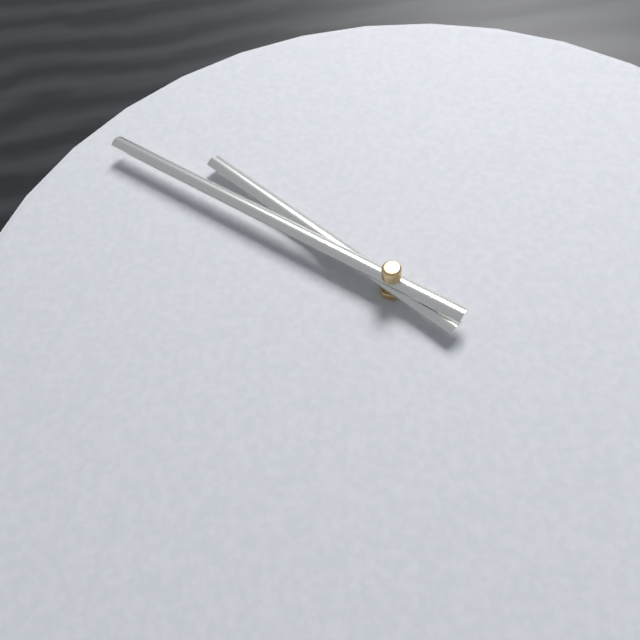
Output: **10:53**
